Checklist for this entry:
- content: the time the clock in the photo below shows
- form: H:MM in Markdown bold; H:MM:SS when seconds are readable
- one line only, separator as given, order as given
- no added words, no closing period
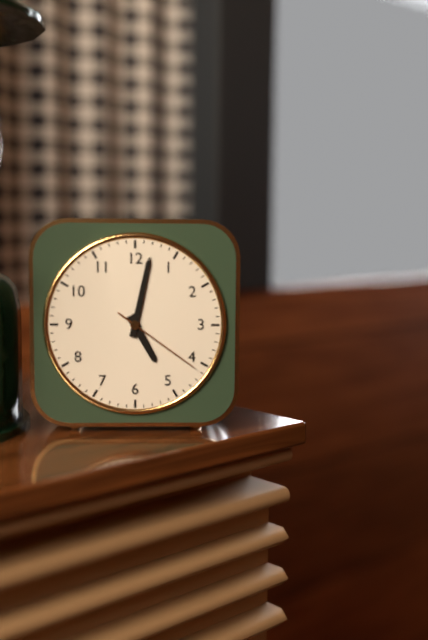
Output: **5:02:21**
